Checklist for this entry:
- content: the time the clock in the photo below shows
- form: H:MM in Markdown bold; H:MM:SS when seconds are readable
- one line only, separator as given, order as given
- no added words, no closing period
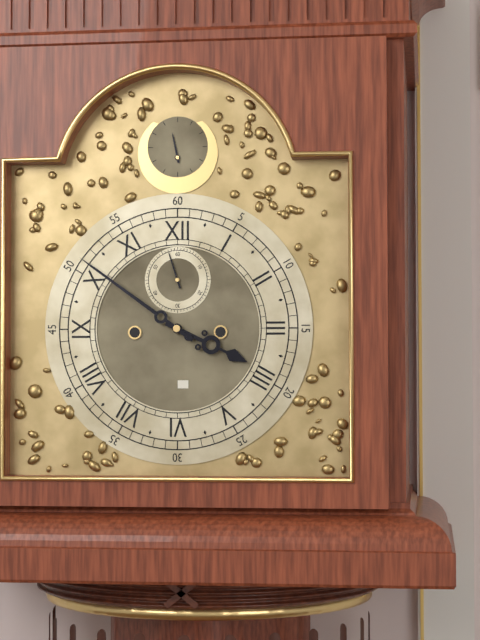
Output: **3:51**
